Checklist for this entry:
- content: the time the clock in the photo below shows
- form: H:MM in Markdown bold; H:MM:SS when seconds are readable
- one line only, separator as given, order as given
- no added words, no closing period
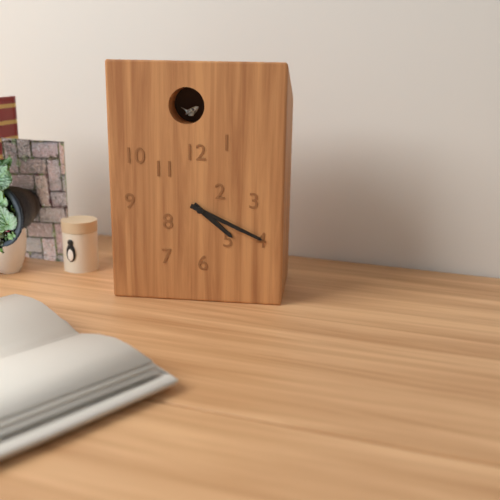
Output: **4:19**
